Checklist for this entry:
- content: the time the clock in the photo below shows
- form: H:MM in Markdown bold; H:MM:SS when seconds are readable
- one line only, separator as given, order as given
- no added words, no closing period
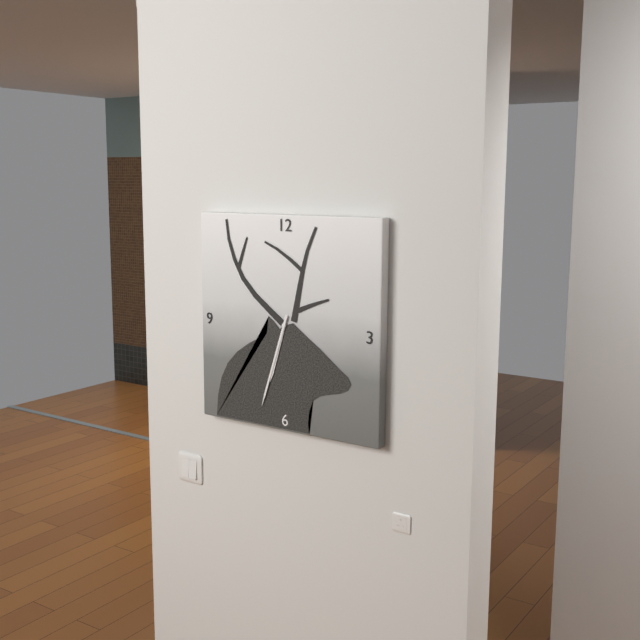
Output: **6:33**
